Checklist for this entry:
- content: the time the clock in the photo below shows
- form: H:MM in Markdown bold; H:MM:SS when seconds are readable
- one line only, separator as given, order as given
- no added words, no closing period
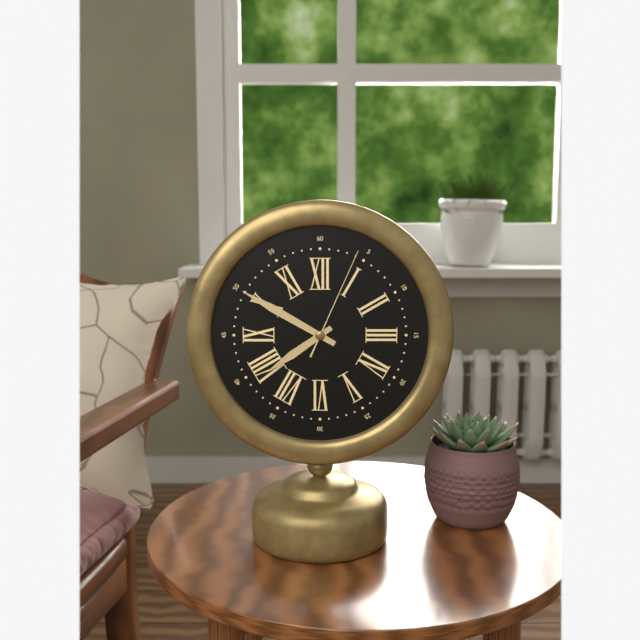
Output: **7:50:04**
